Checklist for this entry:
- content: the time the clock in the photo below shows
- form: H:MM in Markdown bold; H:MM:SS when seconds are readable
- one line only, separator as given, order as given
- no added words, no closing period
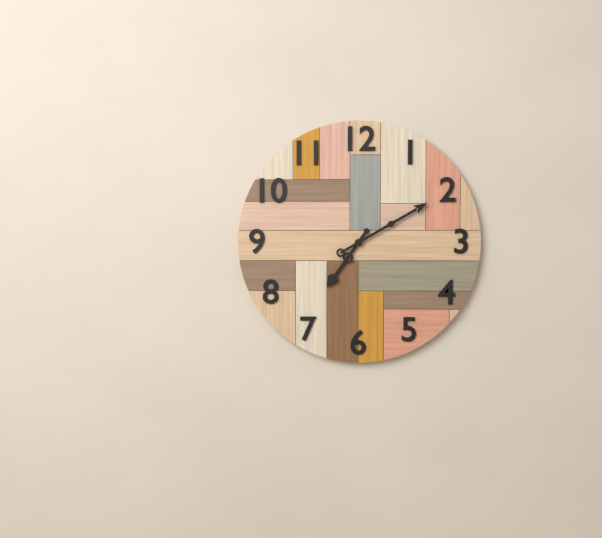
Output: **7:10**
